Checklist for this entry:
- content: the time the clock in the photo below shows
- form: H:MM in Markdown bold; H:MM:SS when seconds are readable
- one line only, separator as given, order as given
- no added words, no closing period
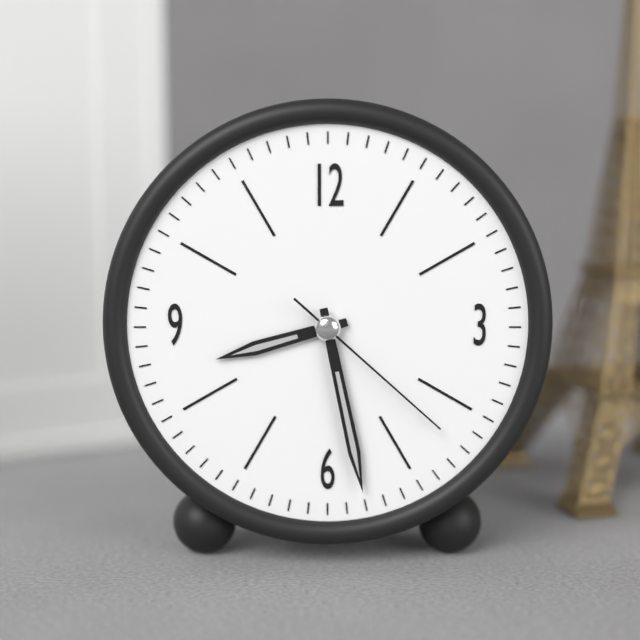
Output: **8:28:22**
